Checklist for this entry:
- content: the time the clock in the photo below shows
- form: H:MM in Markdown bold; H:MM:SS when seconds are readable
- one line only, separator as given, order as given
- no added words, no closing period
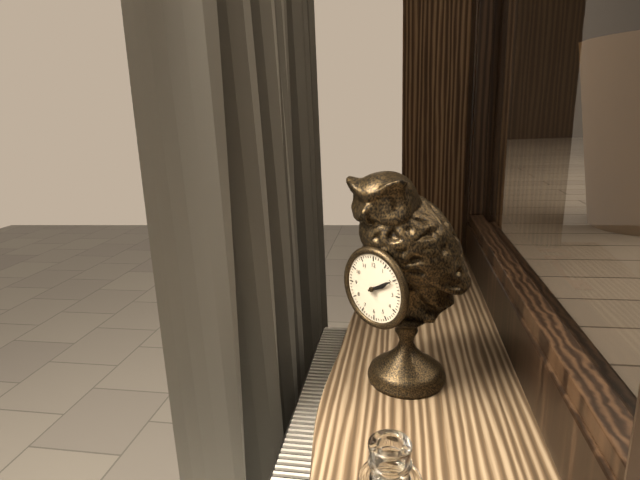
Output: **2:10**
